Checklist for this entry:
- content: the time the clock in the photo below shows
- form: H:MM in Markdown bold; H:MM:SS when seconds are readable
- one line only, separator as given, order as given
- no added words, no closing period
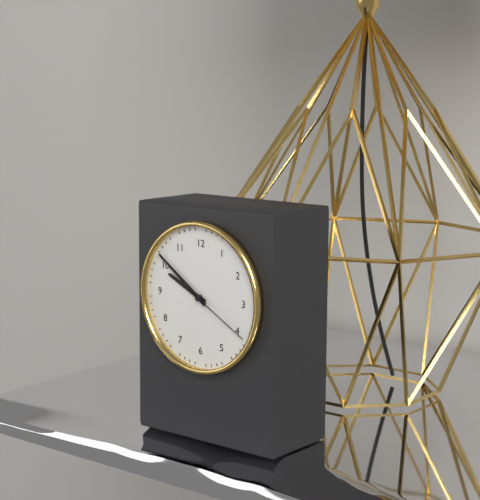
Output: **9:51:20**
